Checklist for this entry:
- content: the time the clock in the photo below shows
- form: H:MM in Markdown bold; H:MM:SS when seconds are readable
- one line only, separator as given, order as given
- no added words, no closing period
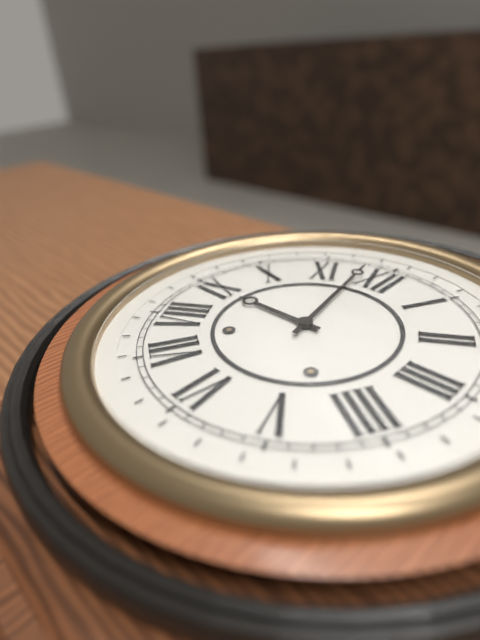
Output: **8:58**
